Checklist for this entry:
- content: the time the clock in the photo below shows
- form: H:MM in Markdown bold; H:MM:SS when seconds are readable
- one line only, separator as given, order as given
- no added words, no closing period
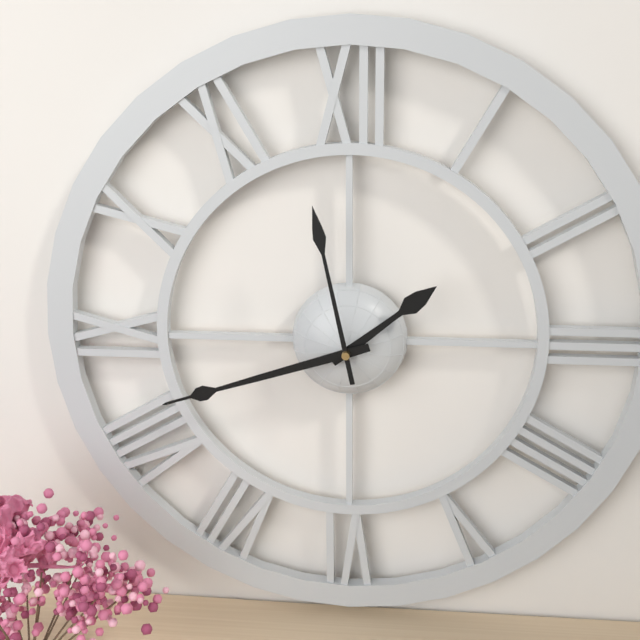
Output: **1:42:58**
